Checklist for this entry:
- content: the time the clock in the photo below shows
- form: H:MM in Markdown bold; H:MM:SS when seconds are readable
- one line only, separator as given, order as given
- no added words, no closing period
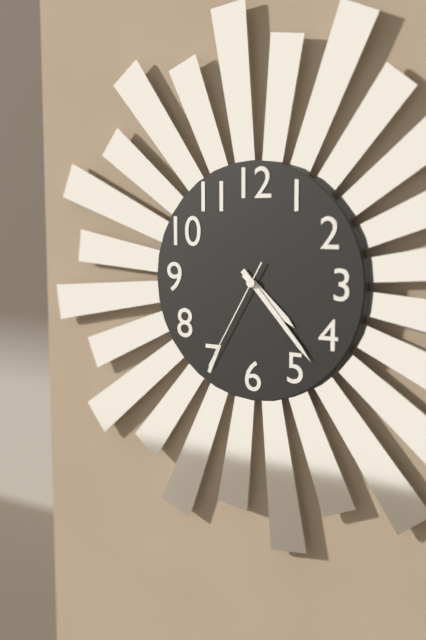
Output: **4:23:35**
